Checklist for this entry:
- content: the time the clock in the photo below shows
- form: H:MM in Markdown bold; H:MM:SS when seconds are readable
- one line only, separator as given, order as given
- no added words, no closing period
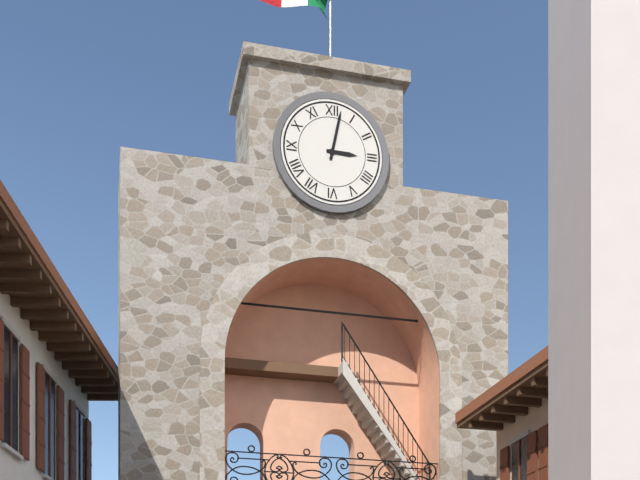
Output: **3:02**
